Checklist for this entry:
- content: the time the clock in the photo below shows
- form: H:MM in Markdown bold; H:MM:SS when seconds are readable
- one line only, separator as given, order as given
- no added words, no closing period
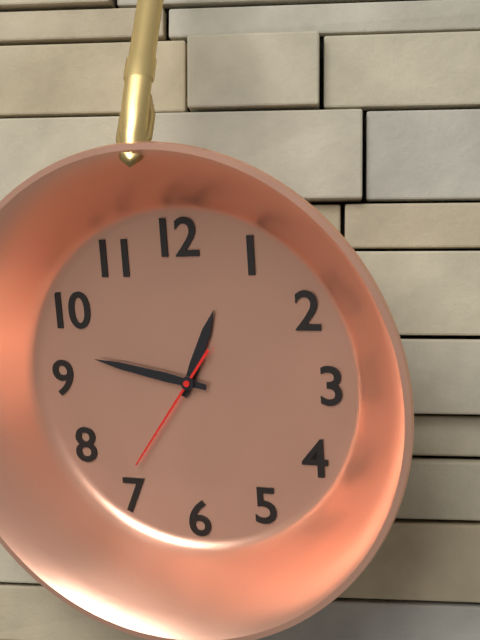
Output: **12:47:36**
